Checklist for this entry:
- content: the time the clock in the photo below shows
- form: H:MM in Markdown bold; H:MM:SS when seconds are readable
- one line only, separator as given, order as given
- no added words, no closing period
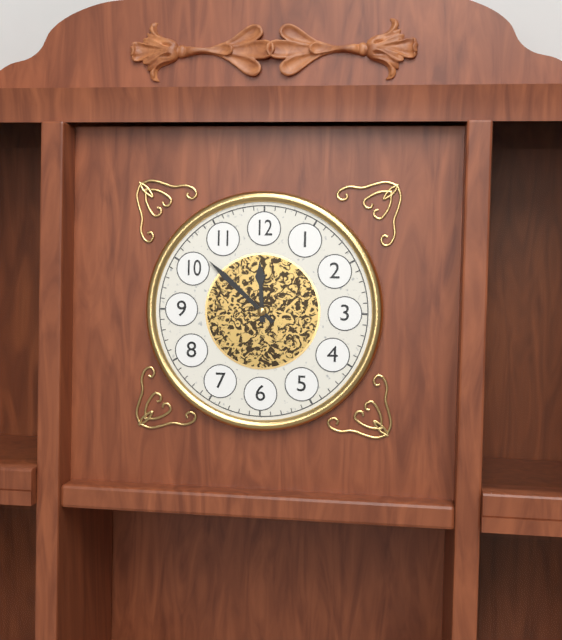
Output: **11:52**
